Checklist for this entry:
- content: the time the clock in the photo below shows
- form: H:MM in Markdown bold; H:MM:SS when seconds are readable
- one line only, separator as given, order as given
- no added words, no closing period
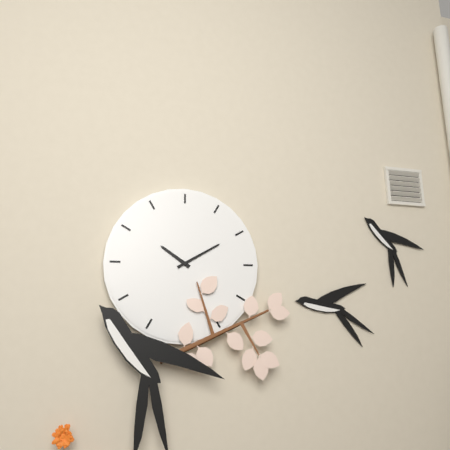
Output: **10:10**
